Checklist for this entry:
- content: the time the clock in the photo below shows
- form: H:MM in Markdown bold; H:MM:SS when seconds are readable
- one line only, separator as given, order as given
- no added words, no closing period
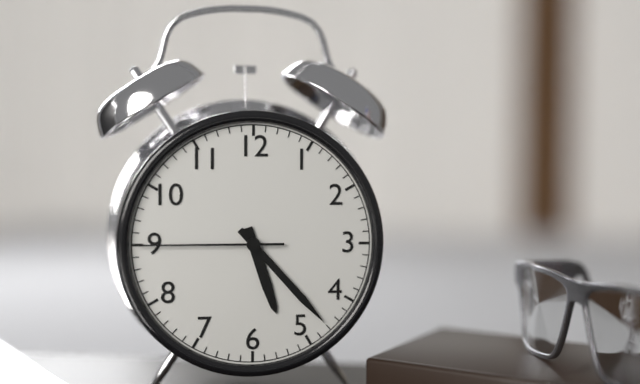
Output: **5:23:45**
